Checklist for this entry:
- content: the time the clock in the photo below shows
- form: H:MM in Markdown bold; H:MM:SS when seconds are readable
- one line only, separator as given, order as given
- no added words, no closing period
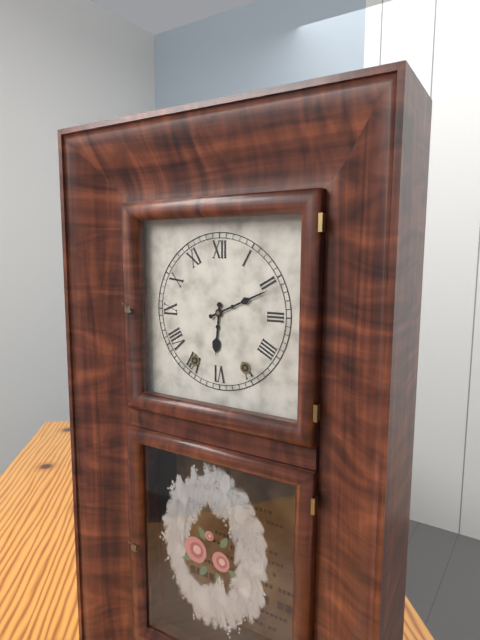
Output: **6:11**
